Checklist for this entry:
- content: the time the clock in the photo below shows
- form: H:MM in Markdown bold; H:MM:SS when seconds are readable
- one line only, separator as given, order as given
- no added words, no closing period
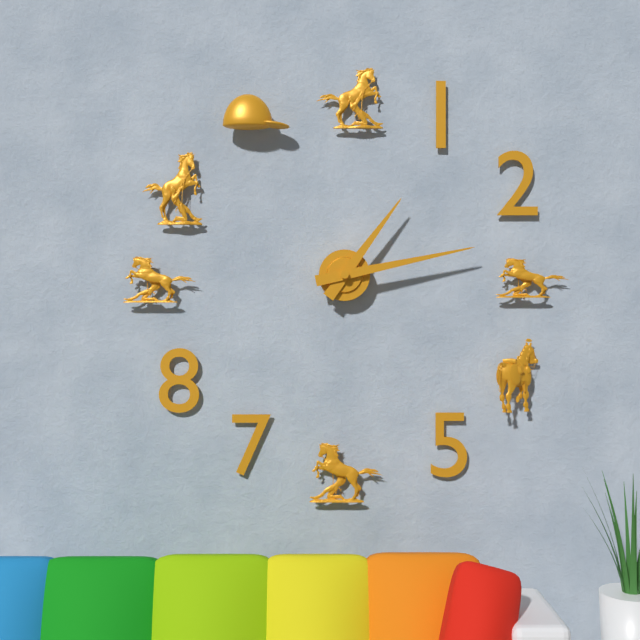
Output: **1:13**
